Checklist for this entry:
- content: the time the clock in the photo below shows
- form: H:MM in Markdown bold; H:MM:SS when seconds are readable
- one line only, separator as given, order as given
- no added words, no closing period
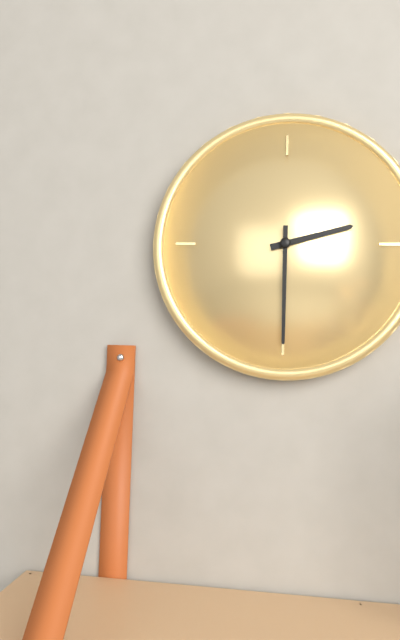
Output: **2:30**
